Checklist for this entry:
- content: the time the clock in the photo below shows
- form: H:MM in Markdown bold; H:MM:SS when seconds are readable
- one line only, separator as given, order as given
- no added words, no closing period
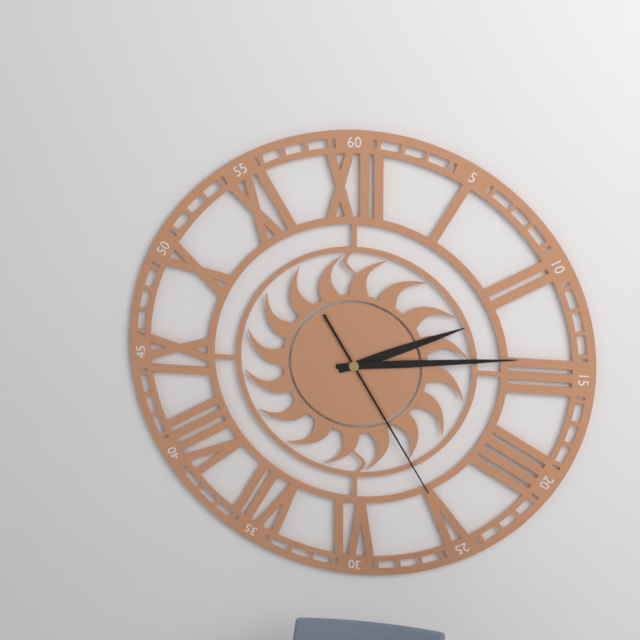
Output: **2:14:25**
